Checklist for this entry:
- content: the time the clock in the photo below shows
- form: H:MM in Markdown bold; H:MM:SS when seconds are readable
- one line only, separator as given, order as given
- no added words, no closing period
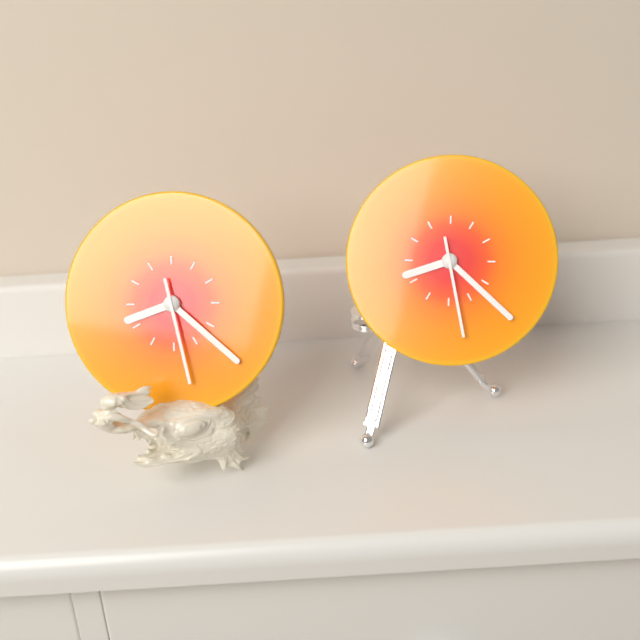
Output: **8:22:28**
